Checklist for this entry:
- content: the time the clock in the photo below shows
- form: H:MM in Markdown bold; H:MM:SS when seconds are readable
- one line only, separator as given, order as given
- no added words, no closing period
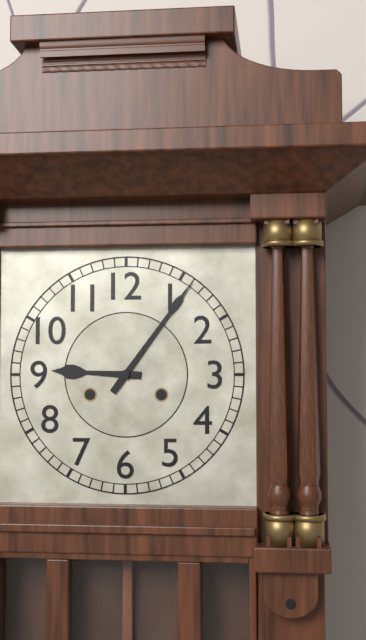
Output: **9:06**
